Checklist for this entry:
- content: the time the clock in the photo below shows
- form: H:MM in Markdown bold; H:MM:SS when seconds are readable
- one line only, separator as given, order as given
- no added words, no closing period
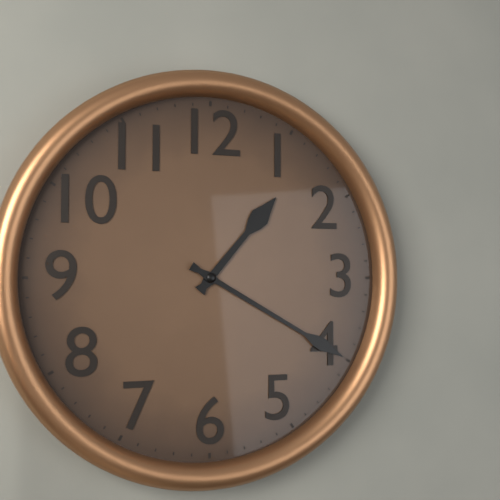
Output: **1:20**
